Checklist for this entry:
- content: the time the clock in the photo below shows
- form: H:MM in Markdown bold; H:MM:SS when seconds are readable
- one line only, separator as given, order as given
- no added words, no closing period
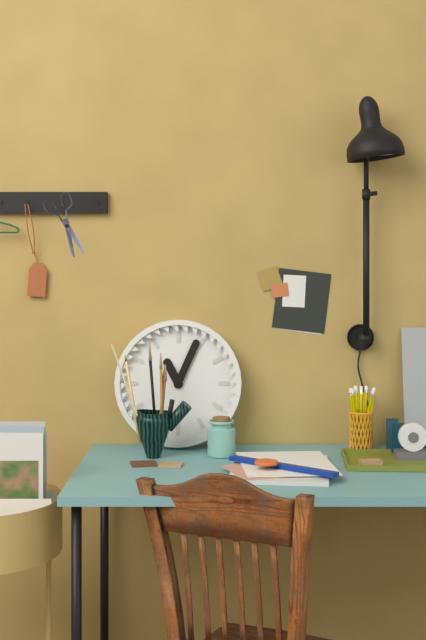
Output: **11:04**
